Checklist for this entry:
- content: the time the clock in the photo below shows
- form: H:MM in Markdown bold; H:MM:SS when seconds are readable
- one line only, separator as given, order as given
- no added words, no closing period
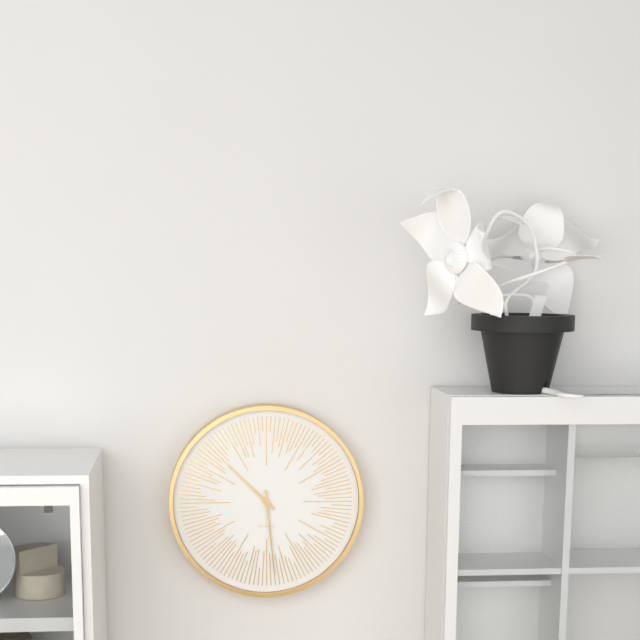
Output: **10:29**
